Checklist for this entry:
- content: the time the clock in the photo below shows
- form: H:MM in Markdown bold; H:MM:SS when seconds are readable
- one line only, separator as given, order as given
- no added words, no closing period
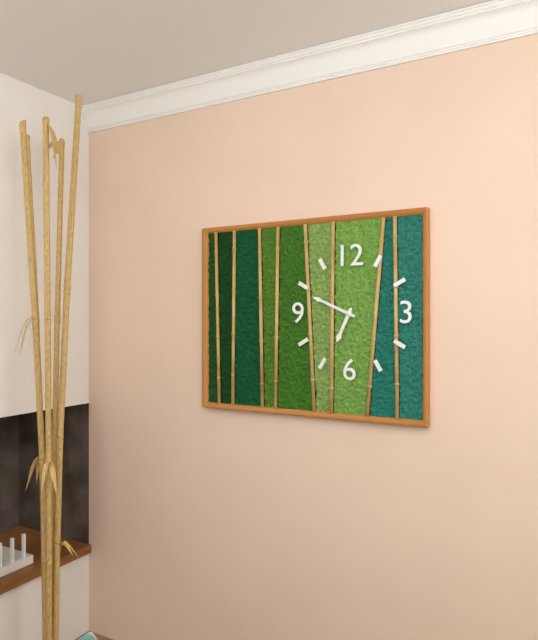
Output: **6:49**
